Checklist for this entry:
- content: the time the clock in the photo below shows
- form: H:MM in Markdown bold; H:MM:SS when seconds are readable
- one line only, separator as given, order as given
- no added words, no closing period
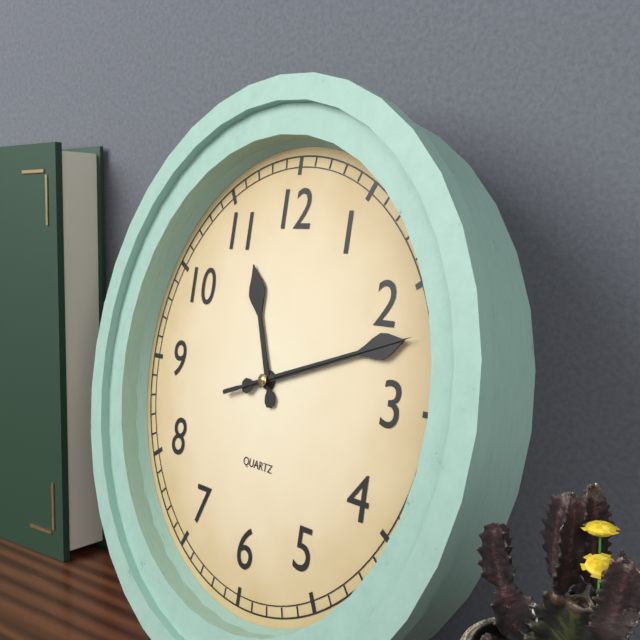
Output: **11:12:12**
